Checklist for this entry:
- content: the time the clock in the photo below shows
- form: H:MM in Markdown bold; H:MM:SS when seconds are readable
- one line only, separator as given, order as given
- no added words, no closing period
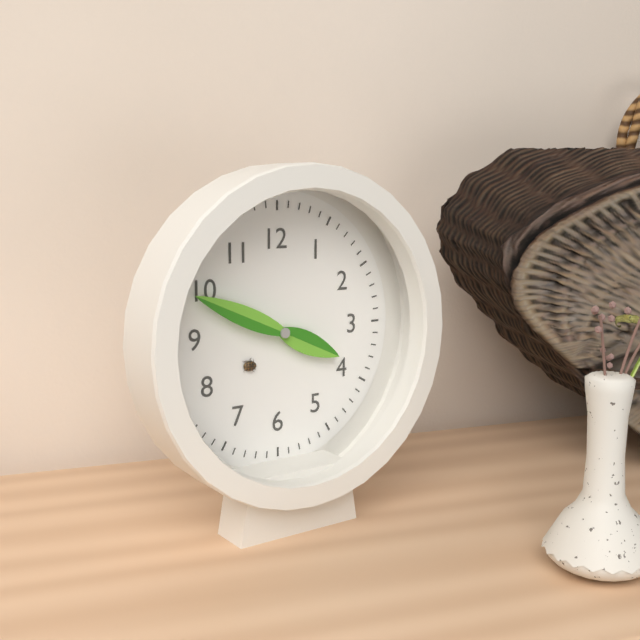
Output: **3:49**
